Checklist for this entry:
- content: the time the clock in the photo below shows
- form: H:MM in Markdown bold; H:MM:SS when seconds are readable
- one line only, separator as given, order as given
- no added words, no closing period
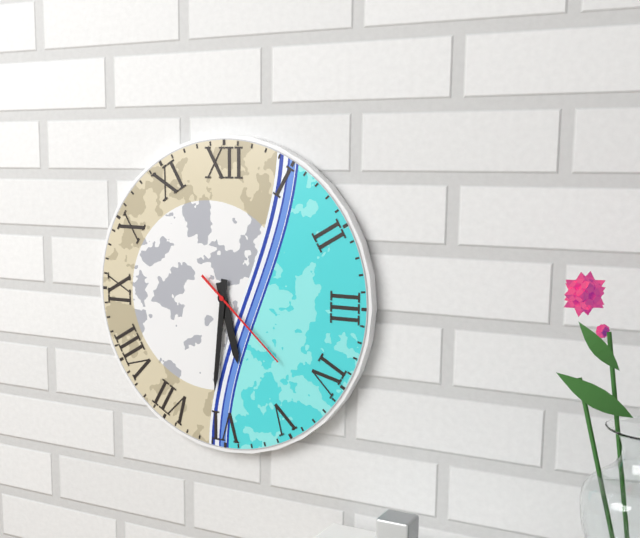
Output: **5:31:22**
